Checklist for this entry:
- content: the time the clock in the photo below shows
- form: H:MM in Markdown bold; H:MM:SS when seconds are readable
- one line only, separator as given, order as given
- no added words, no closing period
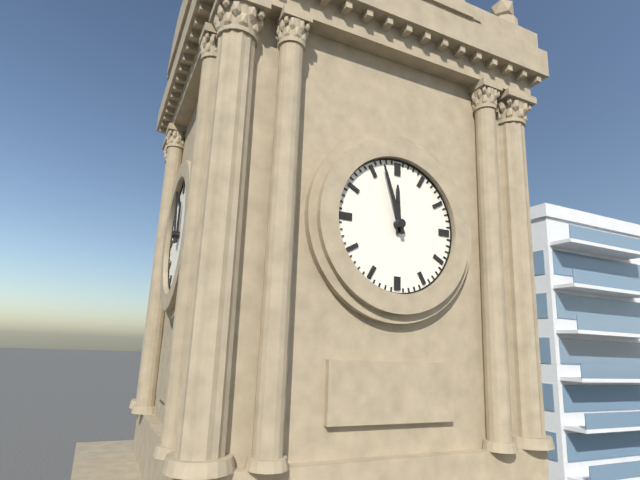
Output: **11:57**
